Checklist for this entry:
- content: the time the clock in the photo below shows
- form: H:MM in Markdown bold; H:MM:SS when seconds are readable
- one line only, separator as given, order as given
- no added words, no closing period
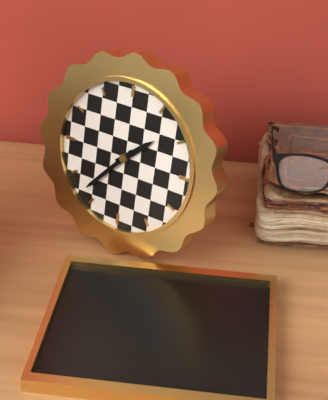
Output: **1:37**
